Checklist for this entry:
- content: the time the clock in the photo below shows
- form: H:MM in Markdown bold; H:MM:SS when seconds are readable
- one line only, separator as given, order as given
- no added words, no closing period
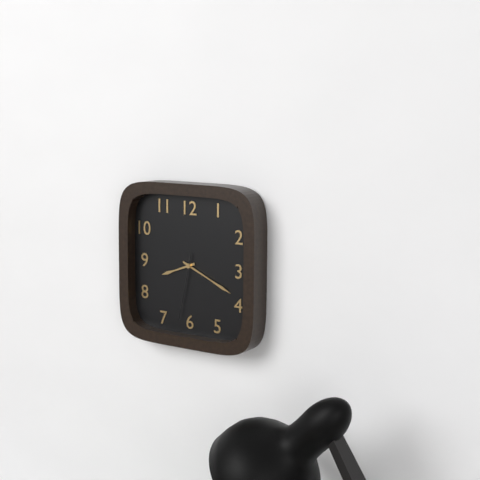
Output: **8:19:32**
